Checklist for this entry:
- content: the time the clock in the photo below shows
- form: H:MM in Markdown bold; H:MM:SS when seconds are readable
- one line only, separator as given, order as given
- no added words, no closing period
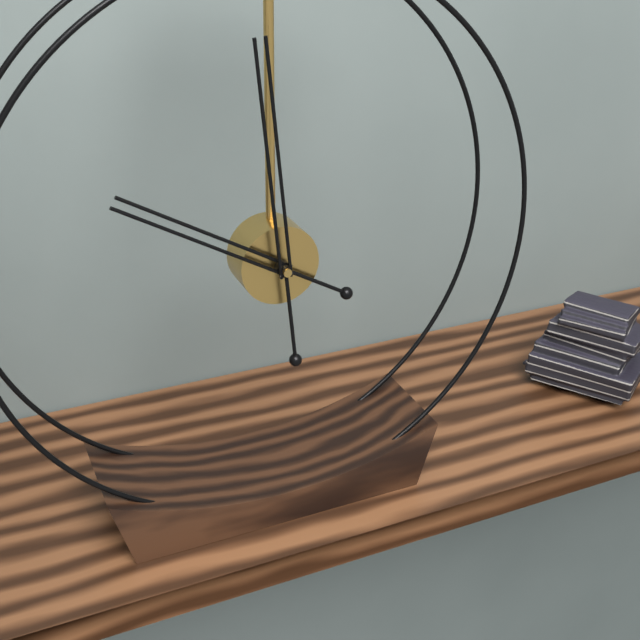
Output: **9:59**
